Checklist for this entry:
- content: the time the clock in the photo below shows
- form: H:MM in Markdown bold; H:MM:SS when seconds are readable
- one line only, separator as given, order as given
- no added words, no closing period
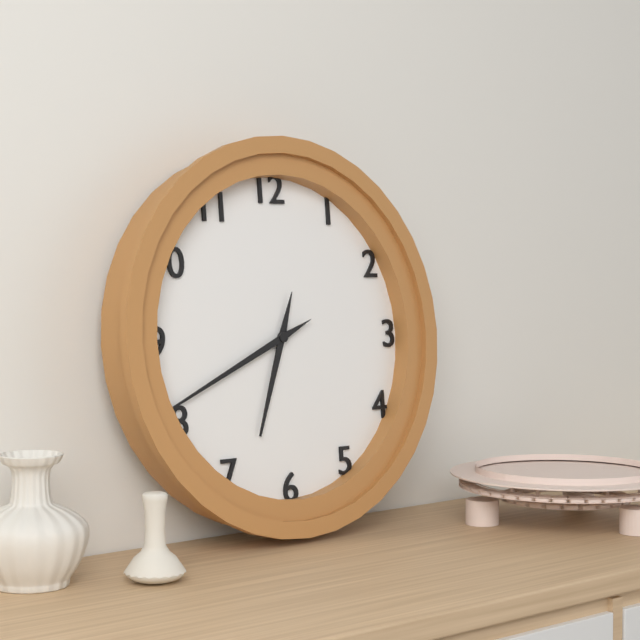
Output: **6:41**
